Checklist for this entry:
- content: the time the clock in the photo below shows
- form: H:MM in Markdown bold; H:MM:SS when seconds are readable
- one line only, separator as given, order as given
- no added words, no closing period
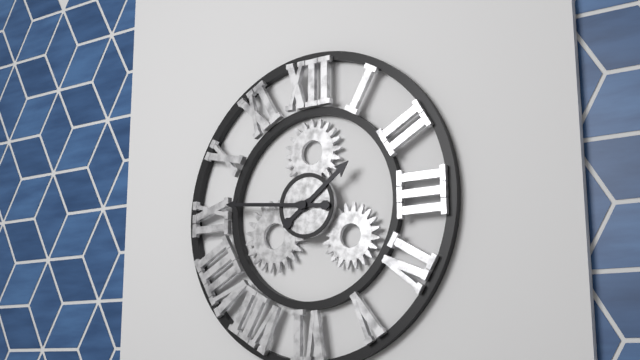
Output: **1:46**
